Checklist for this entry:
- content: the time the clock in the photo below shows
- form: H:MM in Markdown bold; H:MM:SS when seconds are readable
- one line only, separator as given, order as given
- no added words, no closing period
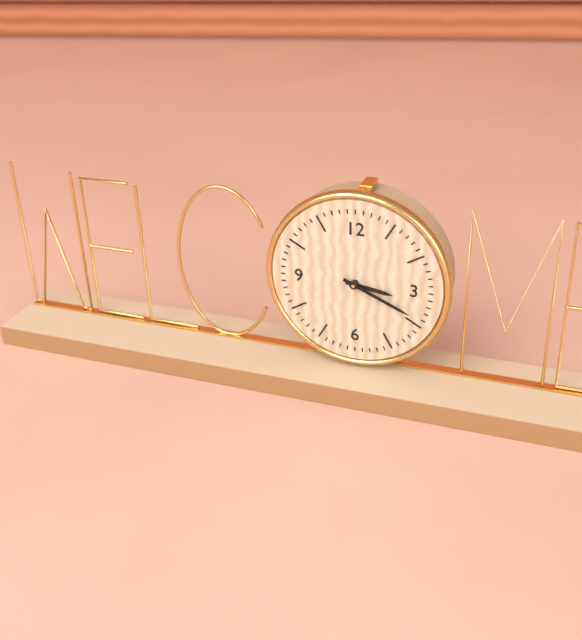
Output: **3:19**
